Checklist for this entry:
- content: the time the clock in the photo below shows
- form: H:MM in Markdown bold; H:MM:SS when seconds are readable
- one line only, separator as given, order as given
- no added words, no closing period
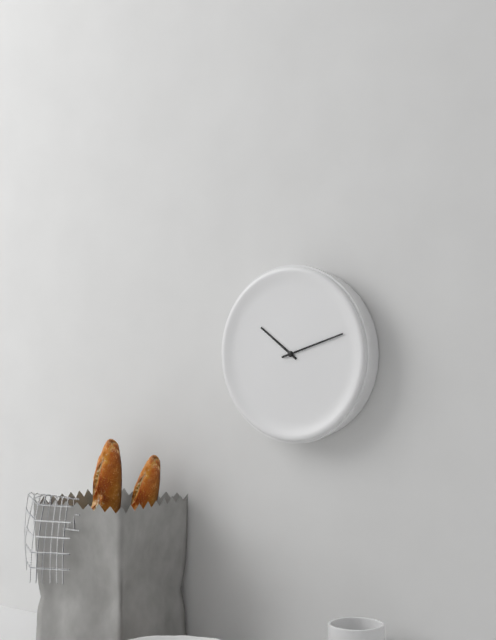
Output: **10:12**
